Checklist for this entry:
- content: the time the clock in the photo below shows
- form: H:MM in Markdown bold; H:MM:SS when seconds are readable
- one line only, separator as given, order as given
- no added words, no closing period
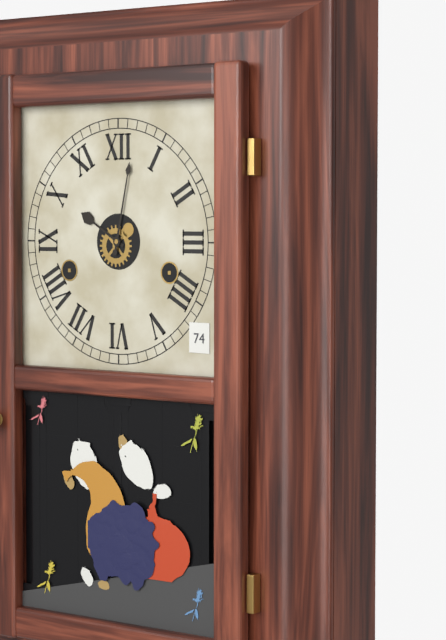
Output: **10:02**
